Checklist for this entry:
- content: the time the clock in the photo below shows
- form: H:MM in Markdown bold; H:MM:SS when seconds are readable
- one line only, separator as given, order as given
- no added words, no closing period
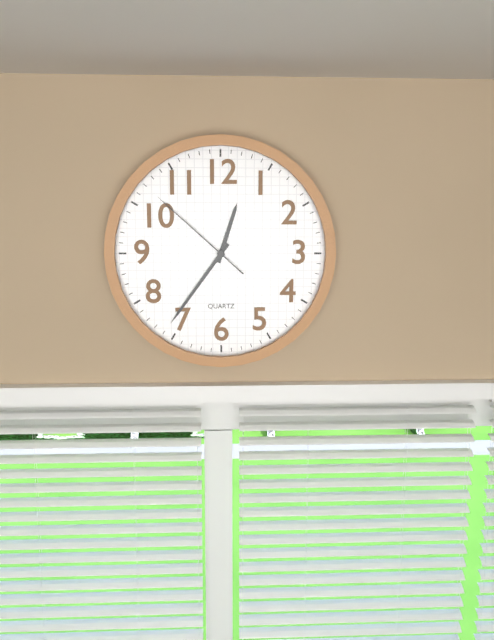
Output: **12:36:52**
